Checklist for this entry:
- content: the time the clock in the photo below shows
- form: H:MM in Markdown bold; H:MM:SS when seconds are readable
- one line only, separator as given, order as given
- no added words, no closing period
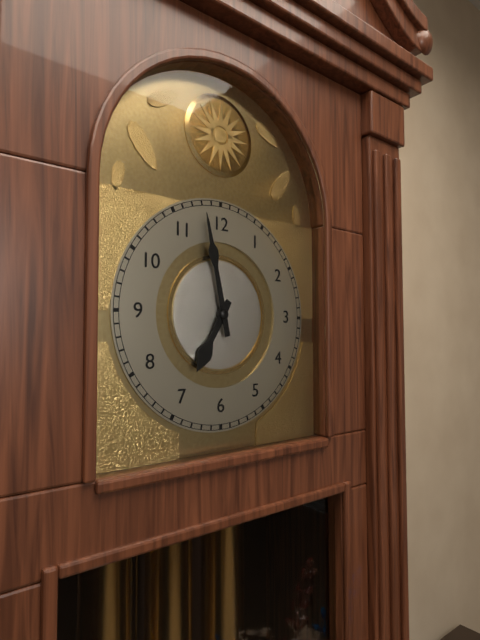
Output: **6:58**
